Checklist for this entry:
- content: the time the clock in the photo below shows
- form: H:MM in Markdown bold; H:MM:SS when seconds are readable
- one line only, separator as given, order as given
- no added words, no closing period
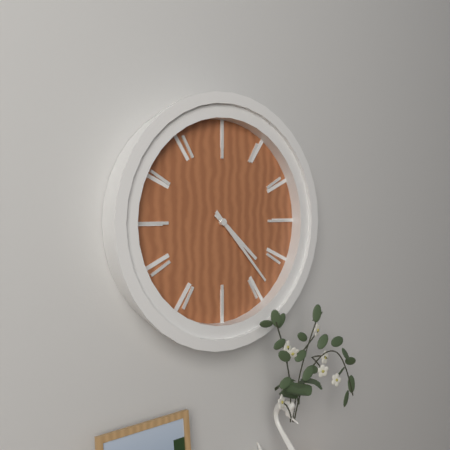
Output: **4:23**
